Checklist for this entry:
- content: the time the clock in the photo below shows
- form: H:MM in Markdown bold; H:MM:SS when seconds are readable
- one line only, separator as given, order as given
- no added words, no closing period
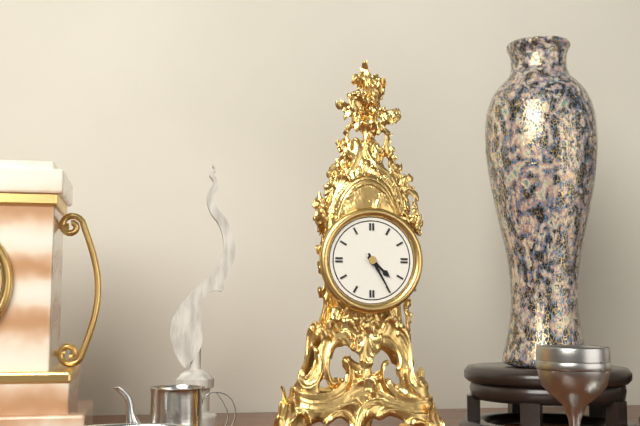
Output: **4:25**
